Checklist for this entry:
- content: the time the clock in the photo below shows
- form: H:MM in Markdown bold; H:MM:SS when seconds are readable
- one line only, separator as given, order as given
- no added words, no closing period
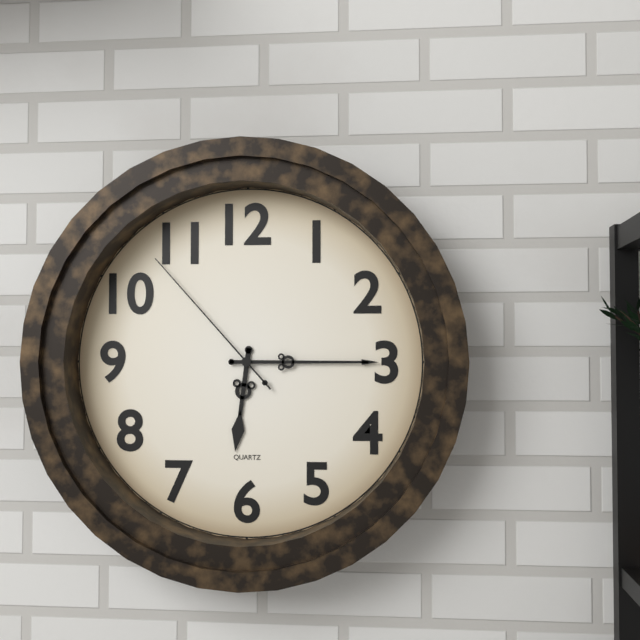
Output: **6:15:53**
